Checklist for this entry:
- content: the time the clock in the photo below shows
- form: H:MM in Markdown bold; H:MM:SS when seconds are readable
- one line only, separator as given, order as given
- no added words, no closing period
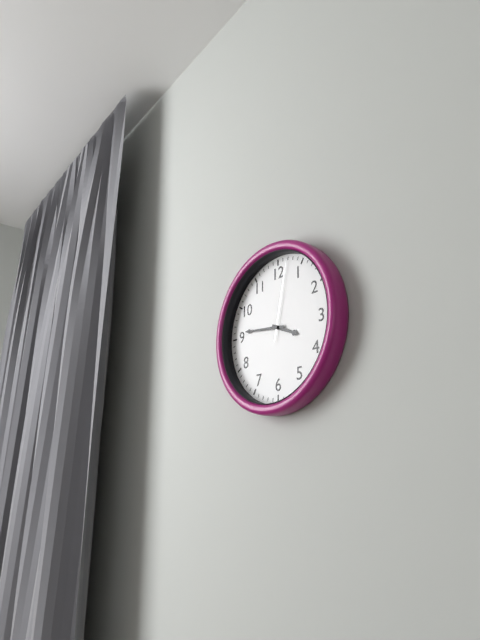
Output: **3:46:02**
